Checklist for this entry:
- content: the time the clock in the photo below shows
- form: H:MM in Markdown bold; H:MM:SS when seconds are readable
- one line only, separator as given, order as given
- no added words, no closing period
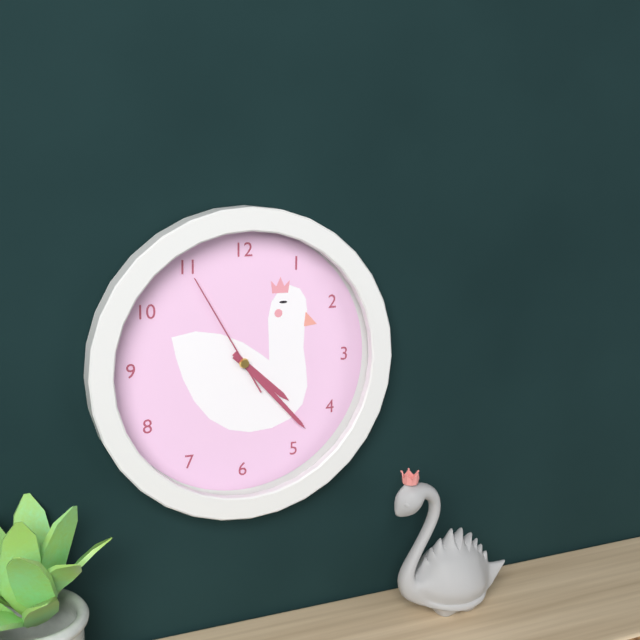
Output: **4:23:55**
